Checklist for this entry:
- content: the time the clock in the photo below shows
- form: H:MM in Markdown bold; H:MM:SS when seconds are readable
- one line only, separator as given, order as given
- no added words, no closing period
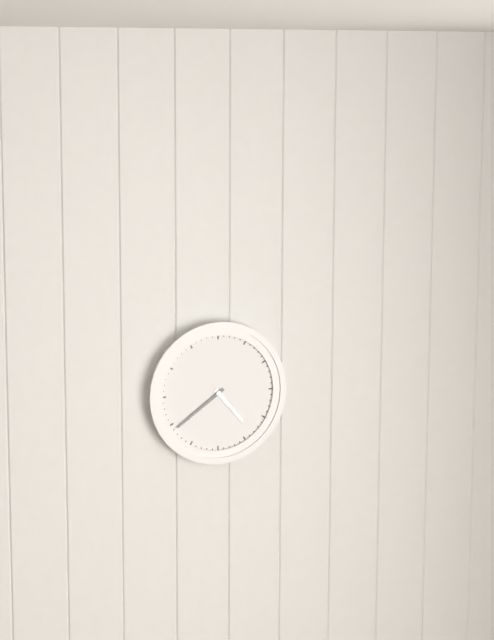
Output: **4:39**
